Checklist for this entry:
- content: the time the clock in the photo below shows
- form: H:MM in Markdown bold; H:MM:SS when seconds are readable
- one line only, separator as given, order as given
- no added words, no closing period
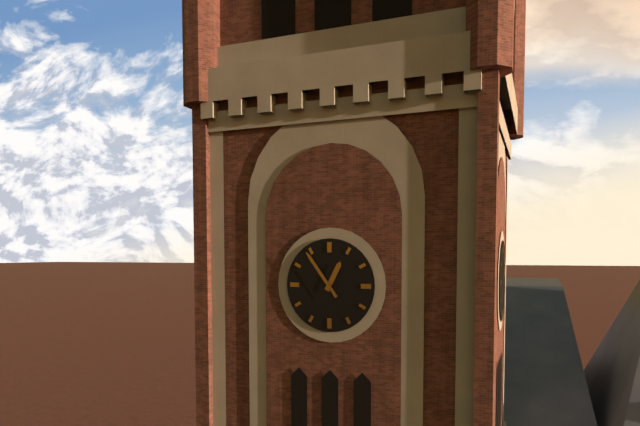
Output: **12:54**
